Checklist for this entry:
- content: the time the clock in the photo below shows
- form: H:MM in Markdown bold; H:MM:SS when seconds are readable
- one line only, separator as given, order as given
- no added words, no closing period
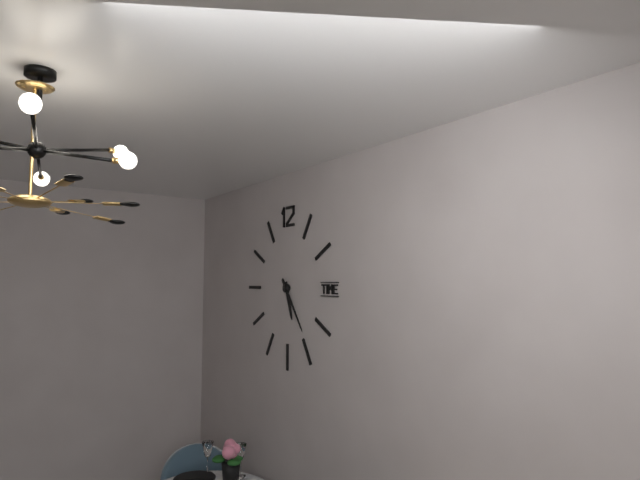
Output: **5:24**
